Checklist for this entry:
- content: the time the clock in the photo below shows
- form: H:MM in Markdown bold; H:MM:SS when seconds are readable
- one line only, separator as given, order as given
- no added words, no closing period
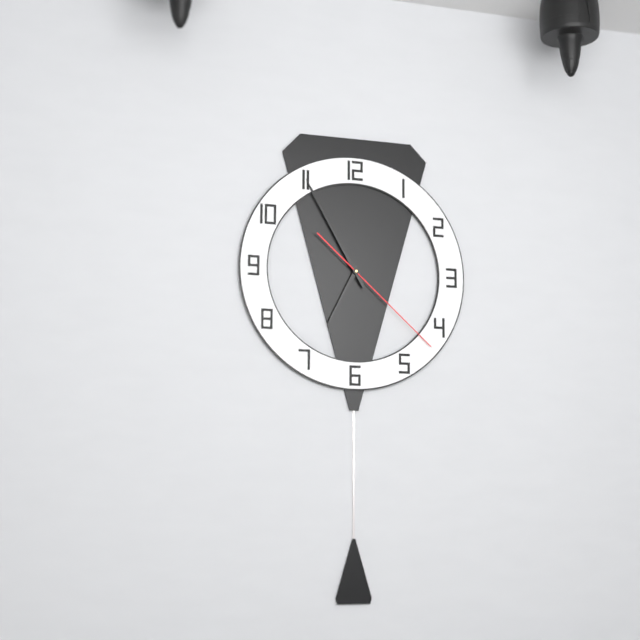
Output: **6:55:22**
